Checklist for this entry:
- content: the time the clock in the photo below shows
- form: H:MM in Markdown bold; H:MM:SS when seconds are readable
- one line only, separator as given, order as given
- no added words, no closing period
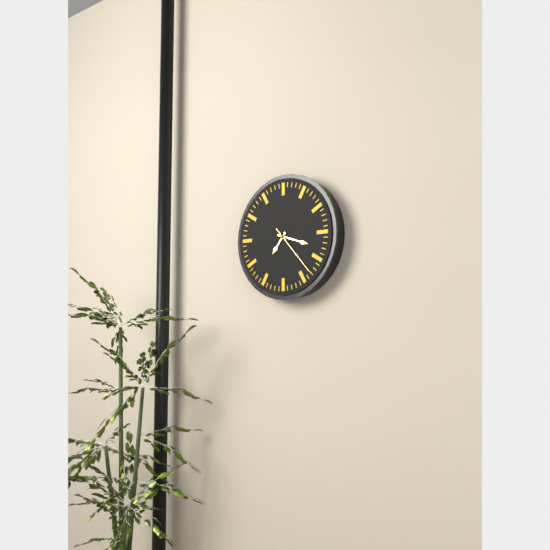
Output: **7:18:23**
